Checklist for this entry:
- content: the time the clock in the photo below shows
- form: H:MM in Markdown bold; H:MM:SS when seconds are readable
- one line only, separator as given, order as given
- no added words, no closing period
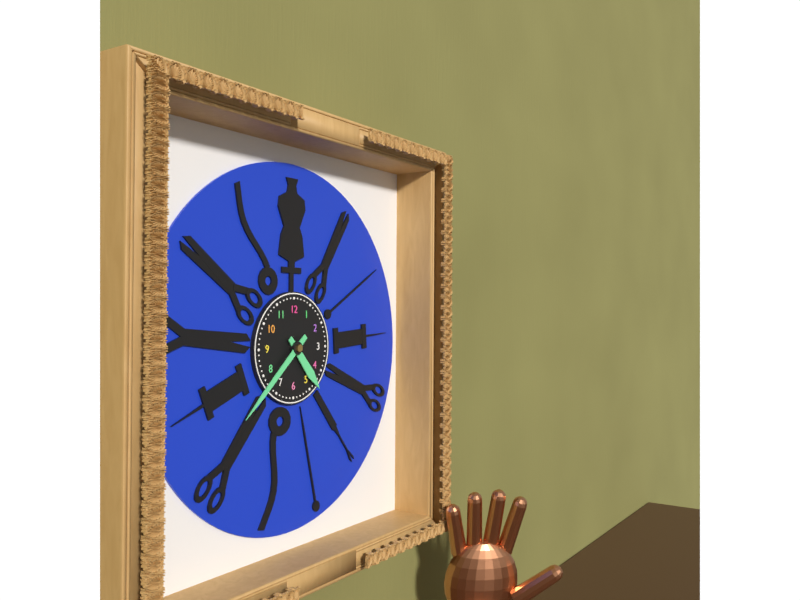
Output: **4:38**
